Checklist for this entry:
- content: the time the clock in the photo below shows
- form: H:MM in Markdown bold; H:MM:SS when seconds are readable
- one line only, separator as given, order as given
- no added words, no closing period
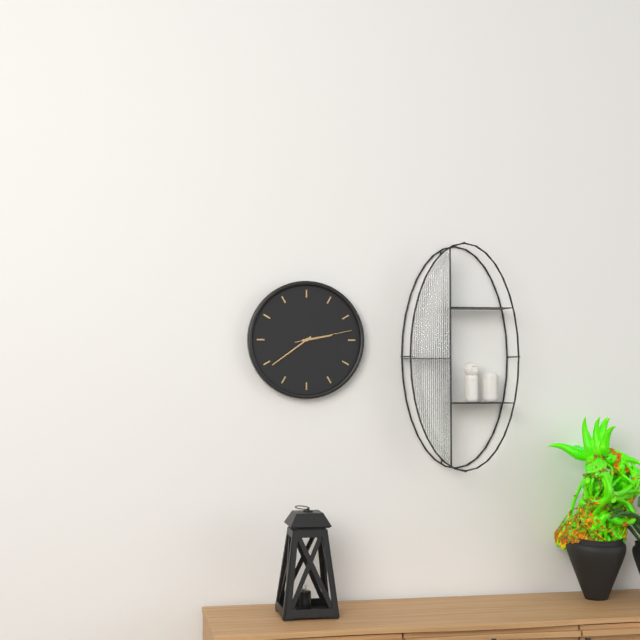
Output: **2:39:13**
